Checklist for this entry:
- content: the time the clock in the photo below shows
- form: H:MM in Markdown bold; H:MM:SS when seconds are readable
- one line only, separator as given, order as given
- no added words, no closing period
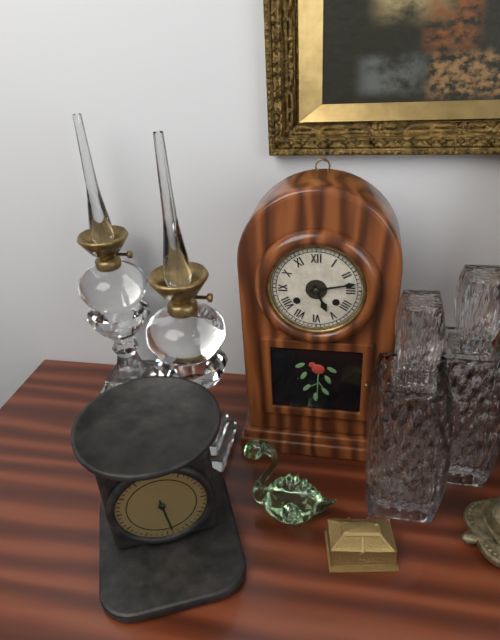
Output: **5:13**
